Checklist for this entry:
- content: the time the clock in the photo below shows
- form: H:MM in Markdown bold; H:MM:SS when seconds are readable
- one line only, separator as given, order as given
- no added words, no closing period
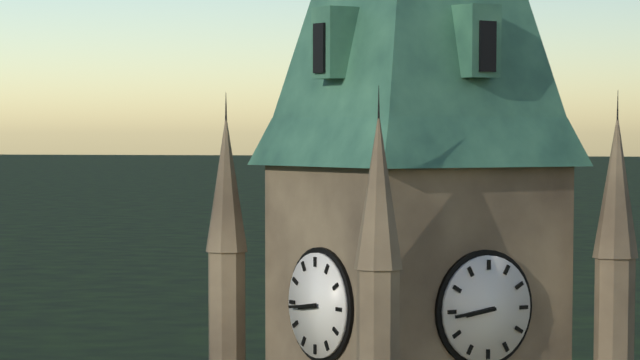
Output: **8:44**
